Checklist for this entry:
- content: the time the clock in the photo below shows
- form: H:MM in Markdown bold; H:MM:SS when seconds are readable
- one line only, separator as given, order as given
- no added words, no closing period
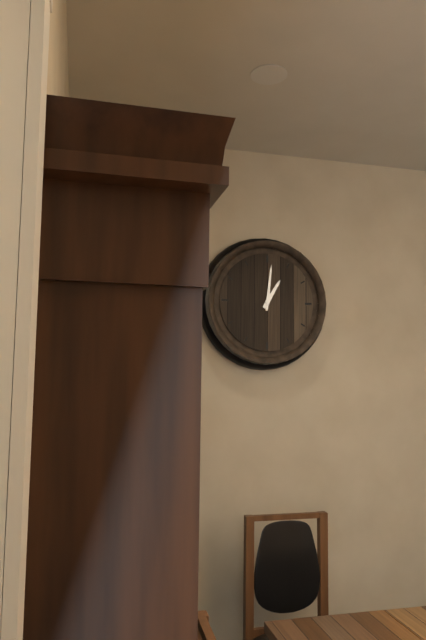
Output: **1:01**
